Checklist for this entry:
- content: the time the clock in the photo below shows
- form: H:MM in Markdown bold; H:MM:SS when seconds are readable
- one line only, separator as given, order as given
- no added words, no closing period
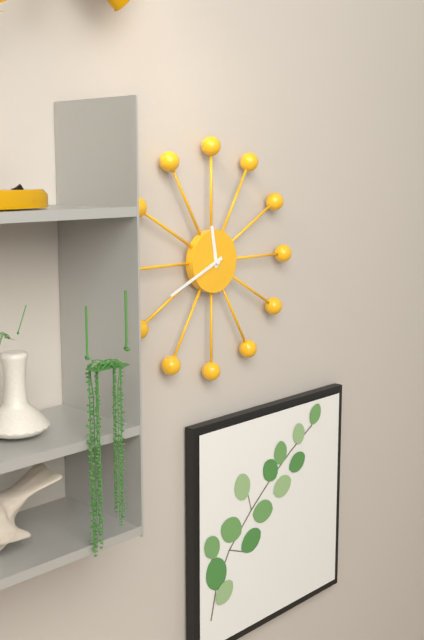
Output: **11:41**
